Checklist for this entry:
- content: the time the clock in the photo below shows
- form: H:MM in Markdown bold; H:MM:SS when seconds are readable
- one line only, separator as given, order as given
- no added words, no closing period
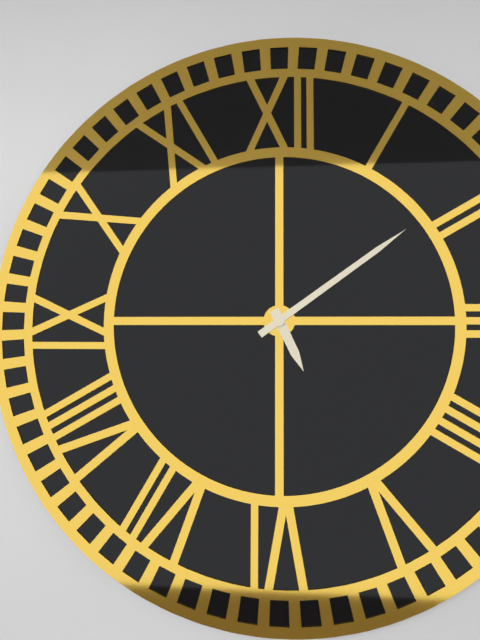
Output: **5:09**
